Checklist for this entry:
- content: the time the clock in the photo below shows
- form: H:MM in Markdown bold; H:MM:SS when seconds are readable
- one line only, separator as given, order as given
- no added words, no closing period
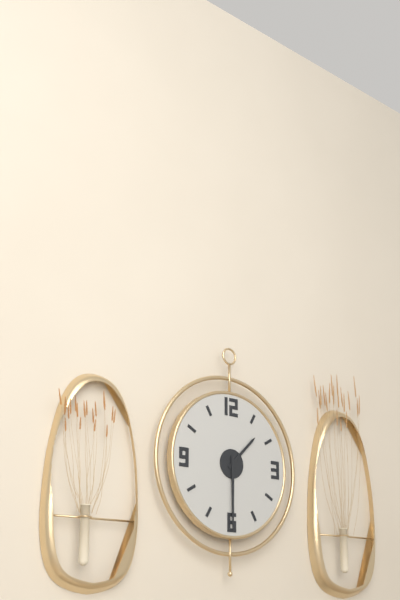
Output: **1:30**
